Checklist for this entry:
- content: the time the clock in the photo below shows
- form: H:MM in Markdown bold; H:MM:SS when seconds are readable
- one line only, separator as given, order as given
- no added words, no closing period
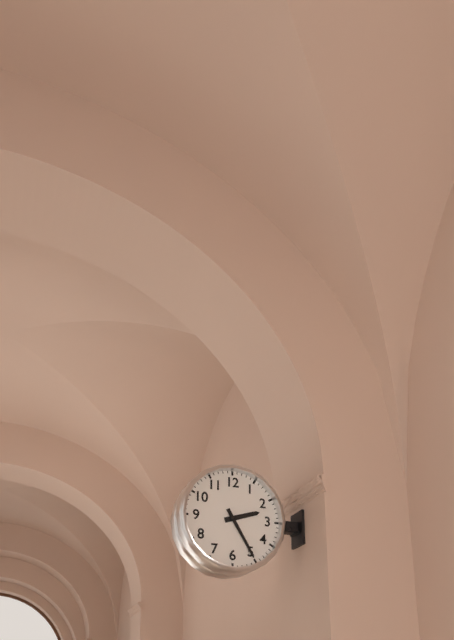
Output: **2:25**
